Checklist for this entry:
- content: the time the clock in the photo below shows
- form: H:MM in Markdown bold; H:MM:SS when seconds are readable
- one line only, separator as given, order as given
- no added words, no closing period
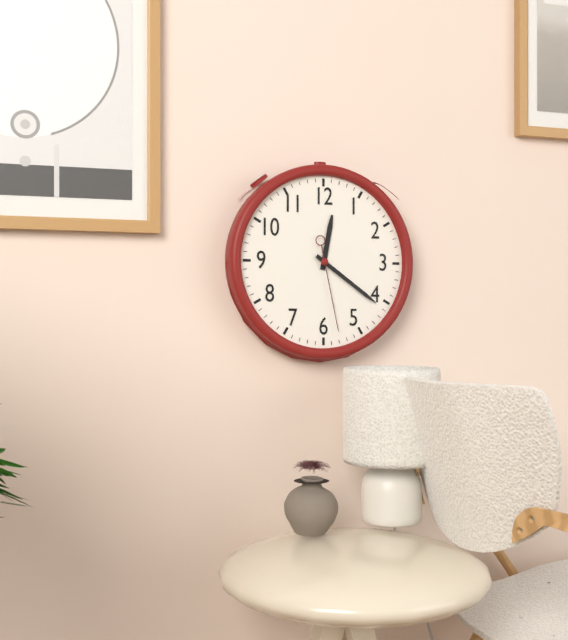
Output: **12:21:28**
